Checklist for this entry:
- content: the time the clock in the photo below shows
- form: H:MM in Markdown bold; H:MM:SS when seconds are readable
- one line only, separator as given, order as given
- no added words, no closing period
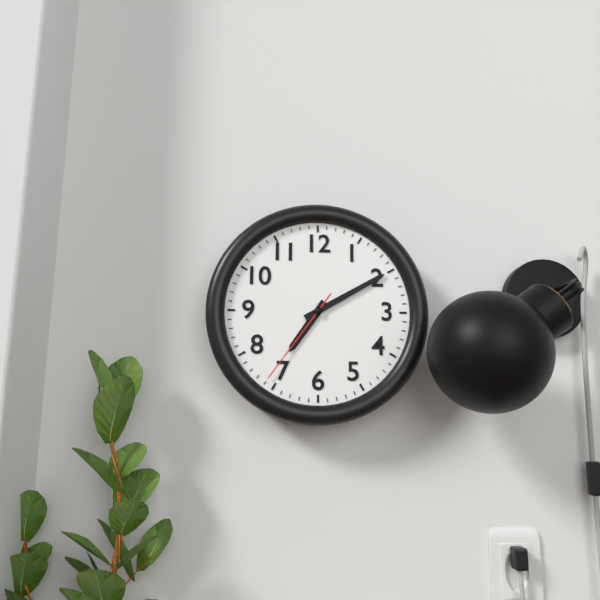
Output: **7:10:36**
